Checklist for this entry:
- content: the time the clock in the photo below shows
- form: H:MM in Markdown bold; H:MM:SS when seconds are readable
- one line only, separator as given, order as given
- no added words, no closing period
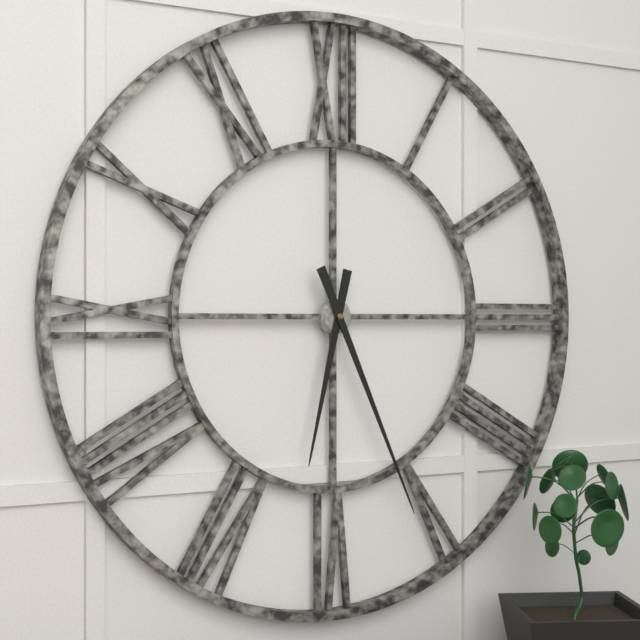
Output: **6:26**
